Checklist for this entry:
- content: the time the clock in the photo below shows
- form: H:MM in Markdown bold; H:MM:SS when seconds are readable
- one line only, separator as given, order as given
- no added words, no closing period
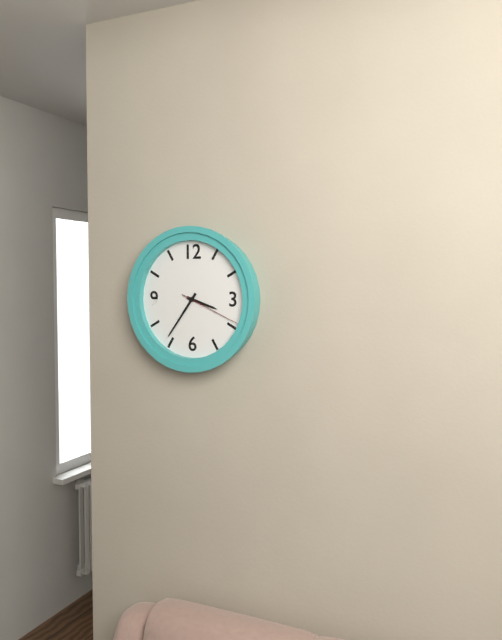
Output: **3:36:19**
